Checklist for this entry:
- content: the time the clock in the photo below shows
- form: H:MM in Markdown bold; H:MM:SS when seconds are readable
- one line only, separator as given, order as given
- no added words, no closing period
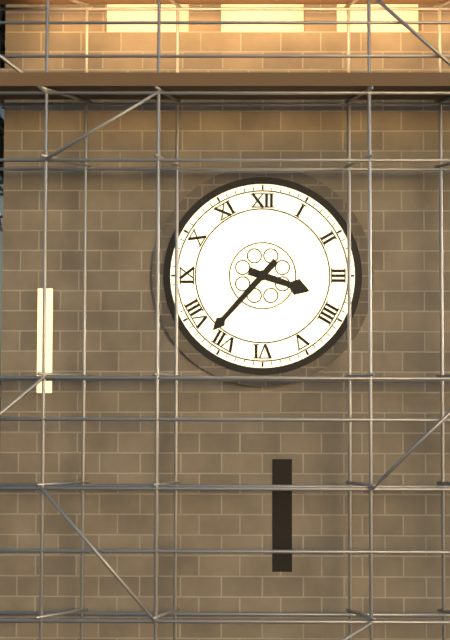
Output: **3:37**
